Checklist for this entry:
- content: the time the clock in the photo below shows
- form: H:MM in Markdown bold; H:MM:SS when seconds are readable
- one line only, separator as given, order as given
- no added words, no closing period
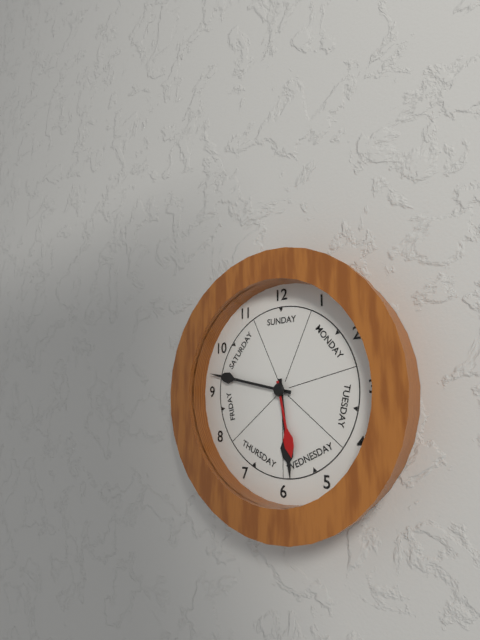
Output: **5:47:28**
